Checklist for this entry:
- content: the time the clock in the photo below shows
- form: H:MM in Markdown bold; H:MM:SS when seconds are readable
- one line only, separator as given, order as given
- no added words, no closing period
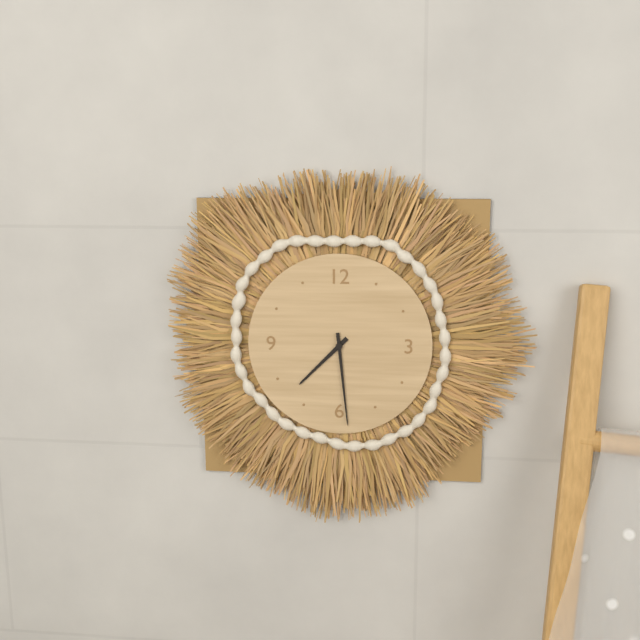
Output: **7:29**
